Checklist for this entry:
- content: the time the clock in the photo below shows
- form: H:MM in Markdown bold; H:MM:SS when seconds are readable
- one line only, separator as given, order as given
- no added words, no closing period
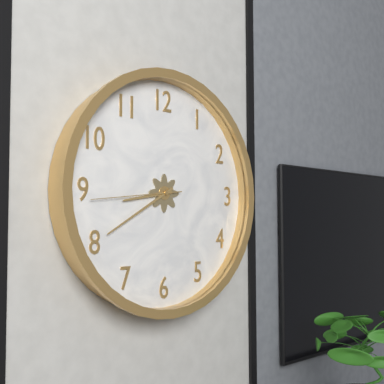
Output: **8:40:44**
